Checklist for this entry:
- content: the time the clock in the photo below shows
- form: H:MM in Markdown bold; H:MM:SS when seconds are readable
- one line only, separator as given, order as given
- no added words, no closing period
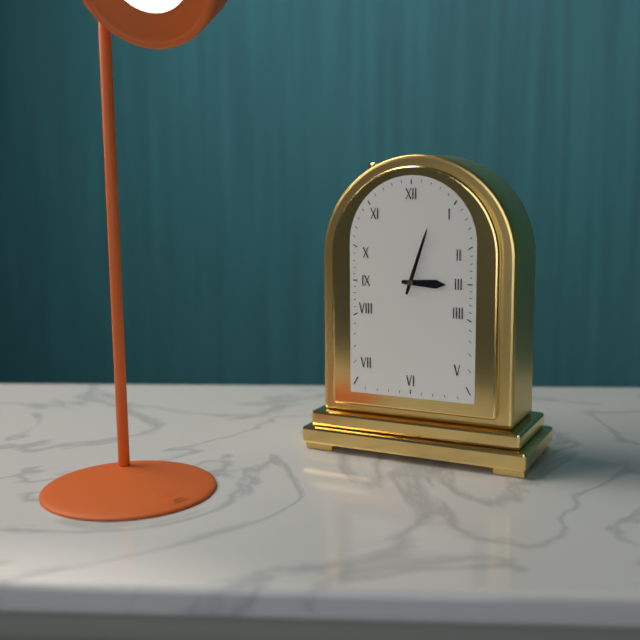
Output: **3:03**
